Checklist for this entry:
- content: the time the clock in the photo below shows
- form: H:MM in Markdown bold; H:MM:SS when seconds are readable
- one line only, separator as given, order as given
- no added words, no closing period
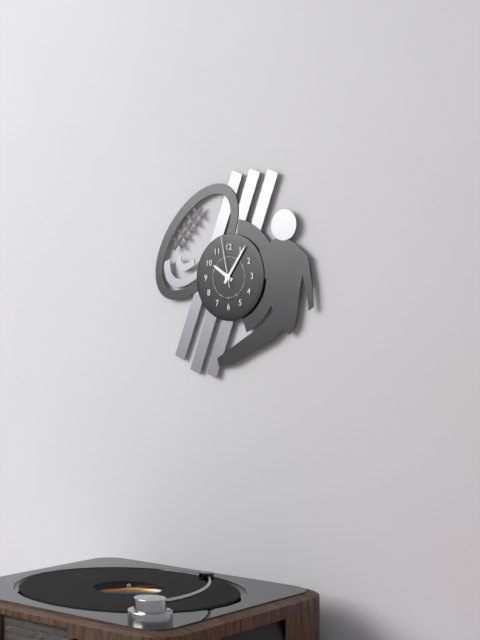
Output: **10:06:58**
